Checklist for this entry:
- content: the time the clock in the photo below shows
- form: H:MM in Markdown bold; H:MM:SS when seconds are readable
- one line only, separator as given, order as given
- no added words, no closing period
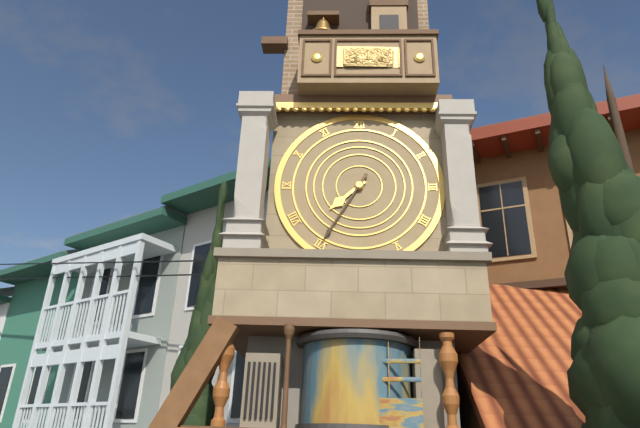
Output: **7:35**
